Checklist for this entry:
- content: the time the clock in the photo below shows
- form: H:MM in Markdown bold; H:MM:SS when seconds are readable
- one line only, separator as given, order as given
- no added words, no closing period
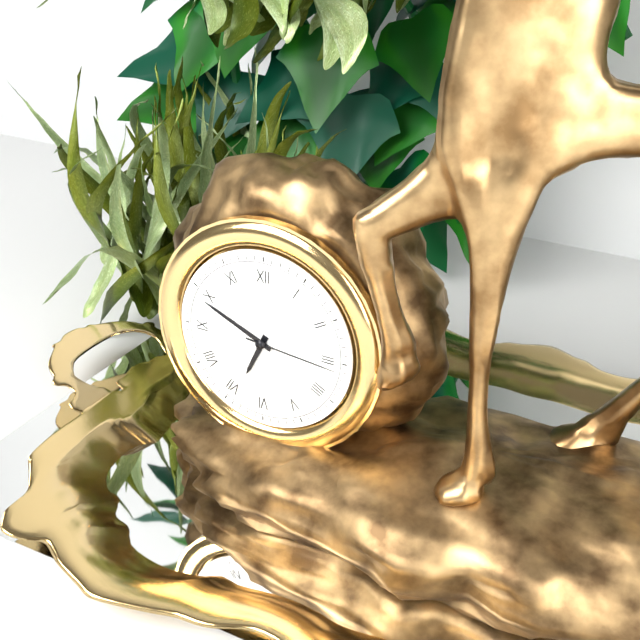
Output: **6:49:16**
